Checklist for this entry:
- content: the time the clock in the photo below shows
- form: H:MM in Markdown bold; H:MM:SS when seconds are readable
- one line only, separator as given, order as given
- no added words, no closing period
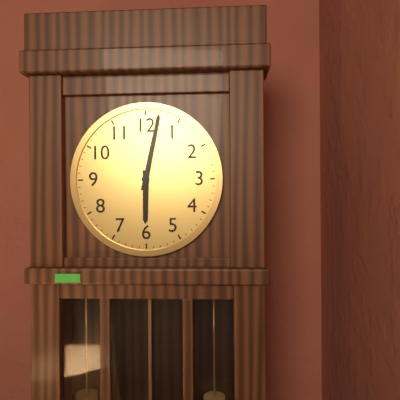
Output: **6:02**
